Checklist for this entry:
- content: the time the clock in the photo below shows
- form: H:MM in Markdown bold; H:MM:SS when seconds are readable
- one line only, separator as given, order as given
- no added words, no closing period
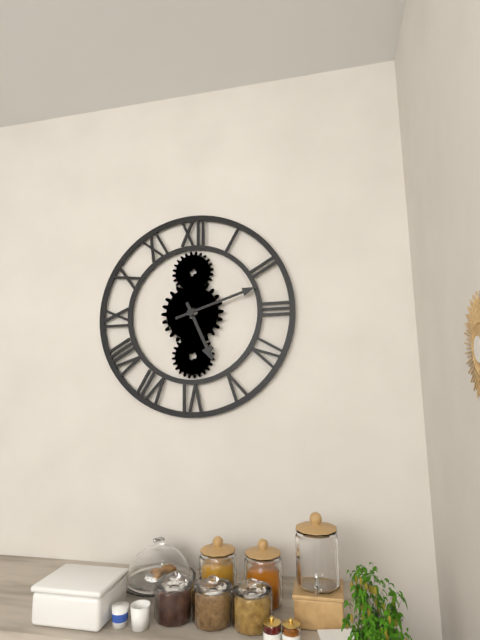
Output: **5:12**
